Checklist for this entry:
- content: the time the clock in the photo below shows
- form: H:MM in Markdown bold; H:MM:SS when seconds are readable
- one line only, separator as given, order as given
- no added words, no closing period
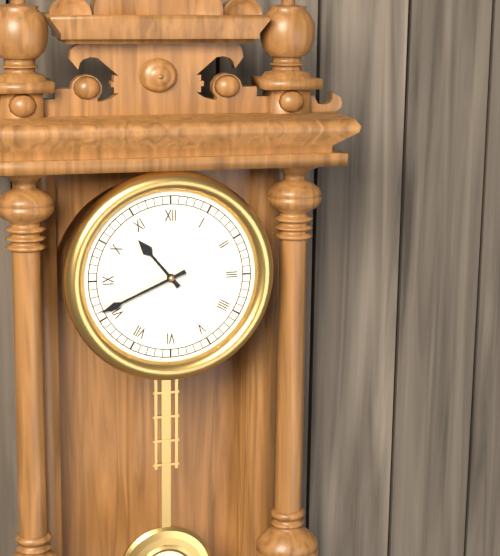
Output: **10:41**
